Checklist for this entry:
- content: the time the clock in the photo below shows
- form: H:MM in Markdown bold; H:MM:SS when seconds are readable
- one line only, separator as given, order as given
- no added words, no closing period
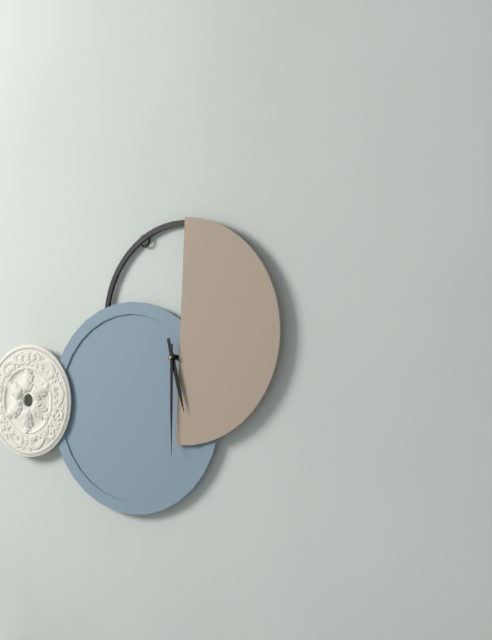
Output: **5:30**
